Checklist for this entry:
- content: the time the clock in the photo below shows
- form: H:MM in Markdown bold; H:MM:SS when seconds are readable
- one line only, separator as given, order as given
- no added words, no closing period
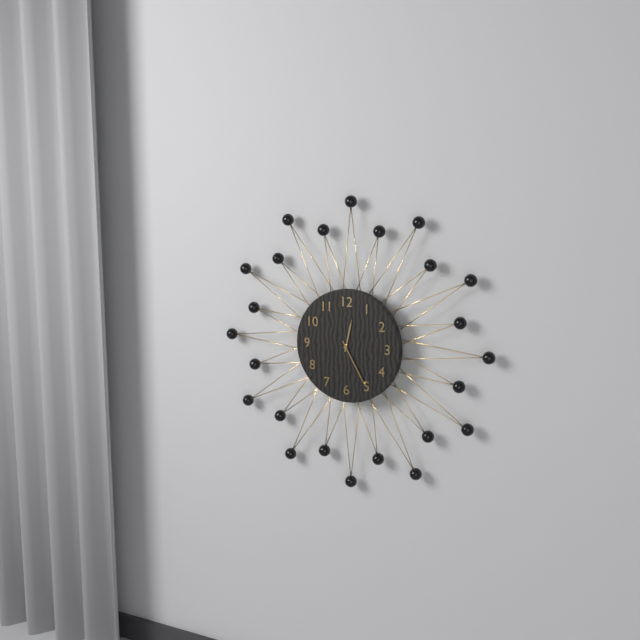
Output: **12:25**
